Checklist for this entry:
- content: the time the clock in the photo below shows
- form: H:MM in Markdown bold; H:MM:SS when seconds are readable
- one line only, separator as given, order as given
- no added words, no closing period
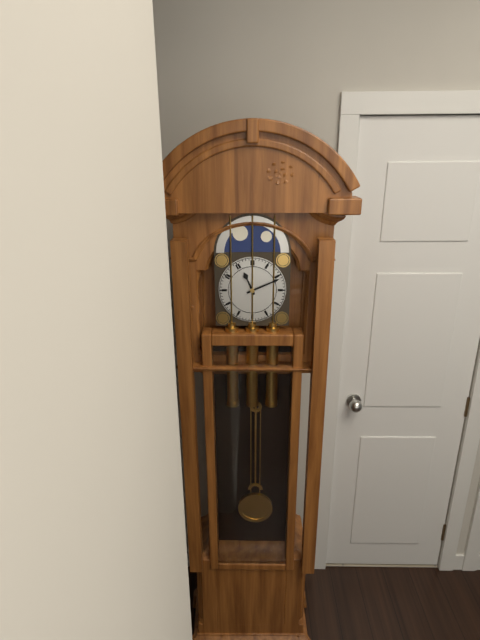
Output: **11:11**
